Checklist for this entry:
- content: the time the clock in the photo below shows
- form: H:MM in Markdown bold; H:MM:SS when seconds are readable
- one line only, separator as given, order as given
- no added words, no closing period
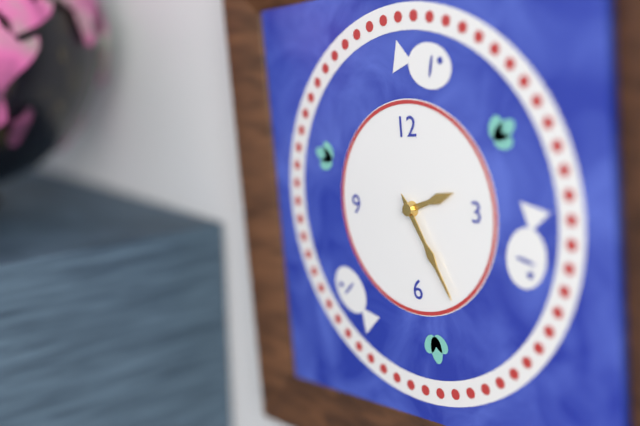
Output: **2:25**
